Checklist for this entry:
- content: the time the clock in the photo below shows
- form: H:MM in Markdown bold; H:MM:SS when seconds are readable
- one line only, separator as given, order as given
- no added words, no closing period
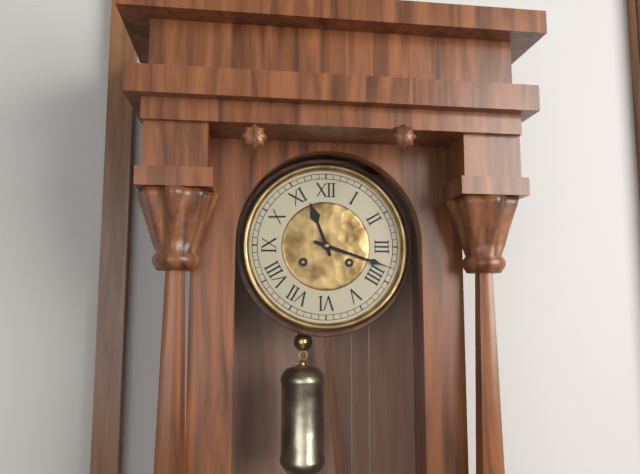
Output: **11:18**
